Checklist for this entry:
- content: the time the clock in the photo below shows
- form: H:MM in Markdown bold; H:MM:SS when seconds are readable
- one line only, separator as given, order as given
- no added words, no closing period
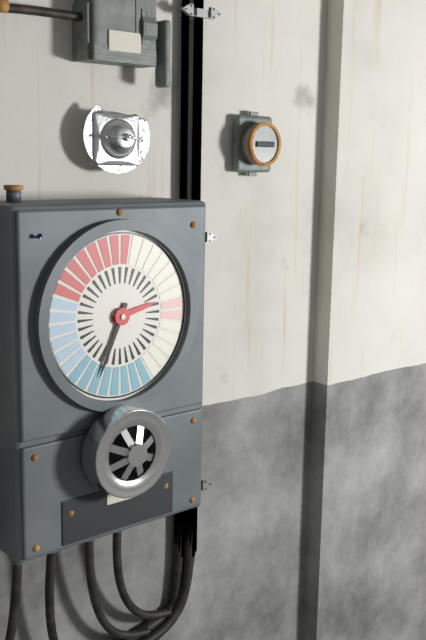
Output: **2:34**
